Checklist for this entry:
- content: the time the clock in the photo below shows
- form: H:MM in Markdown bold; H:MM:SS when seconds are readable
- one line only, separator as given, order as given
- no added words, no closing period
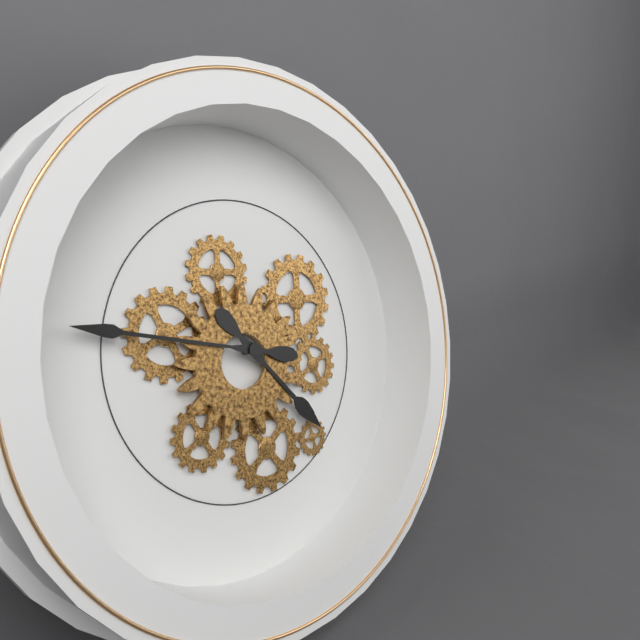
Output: **4:48**
